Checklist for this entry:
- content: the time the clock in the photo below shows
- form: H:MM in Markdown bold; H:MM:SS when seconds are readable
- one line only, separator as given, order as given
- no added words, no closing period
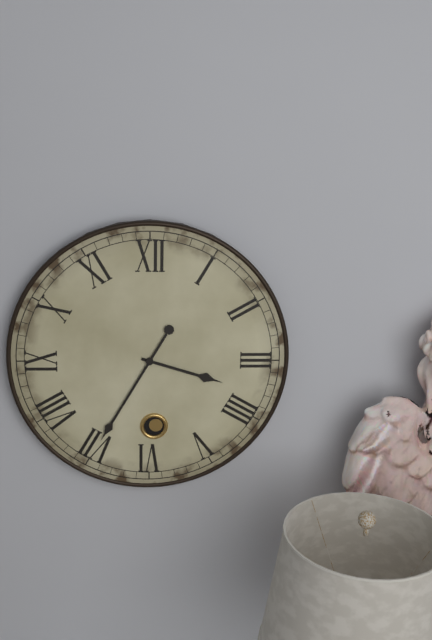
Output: **3:35**
